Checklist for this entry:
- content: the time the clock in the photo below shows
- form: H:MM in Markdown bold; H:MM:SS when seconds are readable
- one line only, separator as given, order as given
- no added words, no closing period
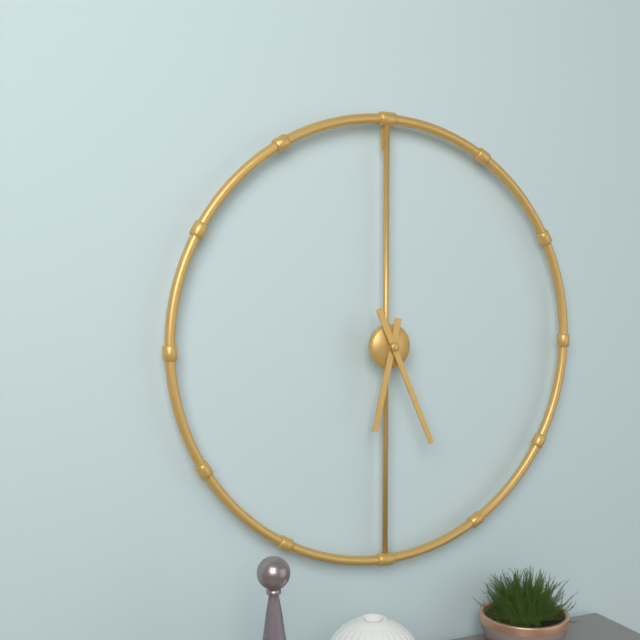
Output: **6:26**
